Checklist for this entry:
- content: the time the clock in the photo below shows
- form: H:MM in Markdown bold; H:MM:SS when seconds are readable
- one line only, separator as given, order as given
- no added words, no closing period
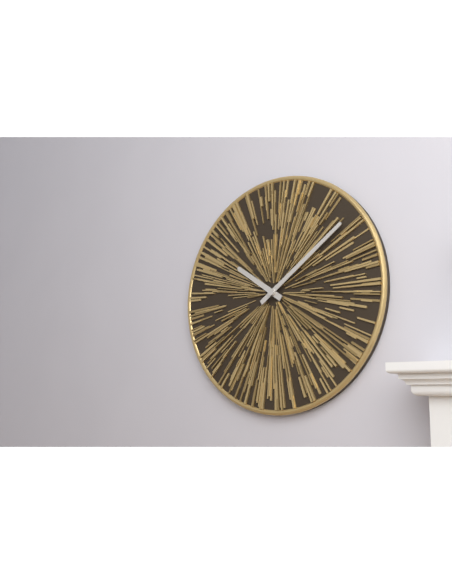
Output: **10:09**
